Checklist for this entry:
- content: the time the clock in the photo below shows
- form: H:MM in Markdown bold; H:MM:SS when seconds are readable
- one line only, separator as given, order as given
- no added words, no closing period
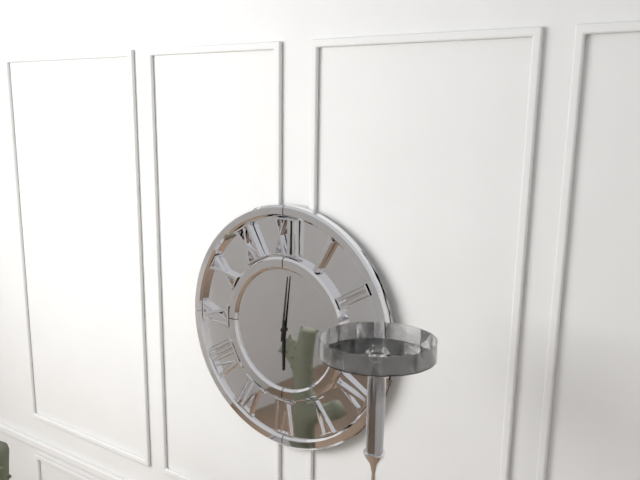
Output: **6:01**
